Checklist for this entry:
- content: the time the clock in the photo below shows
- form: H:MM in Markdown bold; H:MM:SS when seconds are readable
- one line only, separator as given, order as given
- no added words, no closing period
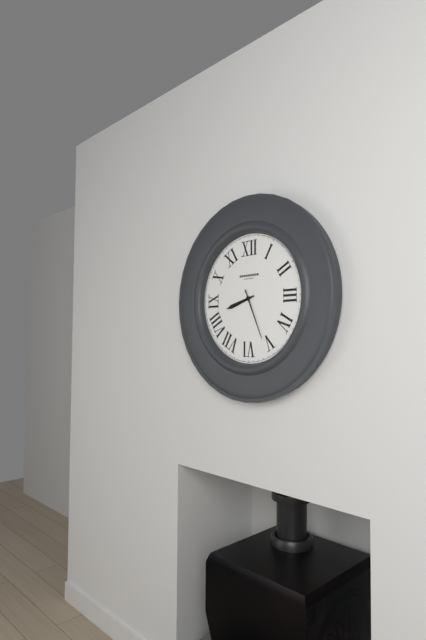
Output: **8:26**
